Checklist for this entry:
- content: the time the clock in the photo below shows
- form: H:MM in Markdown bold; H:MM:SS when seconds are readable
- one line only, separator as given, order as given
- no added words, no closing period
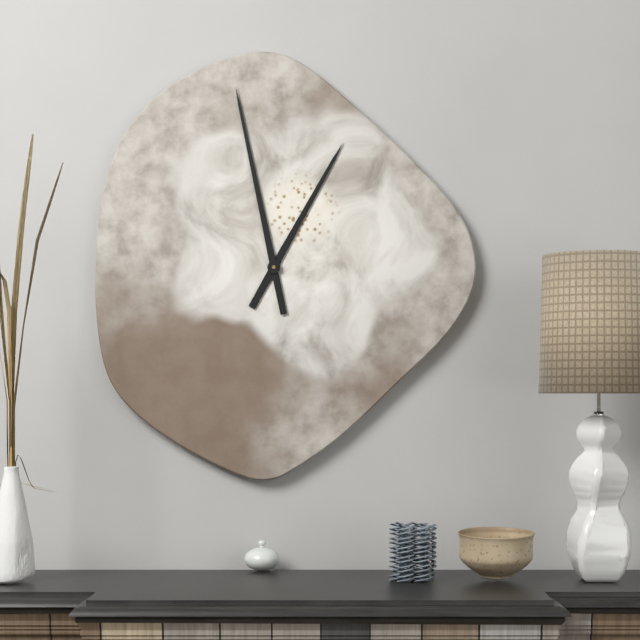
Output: **12:58**
